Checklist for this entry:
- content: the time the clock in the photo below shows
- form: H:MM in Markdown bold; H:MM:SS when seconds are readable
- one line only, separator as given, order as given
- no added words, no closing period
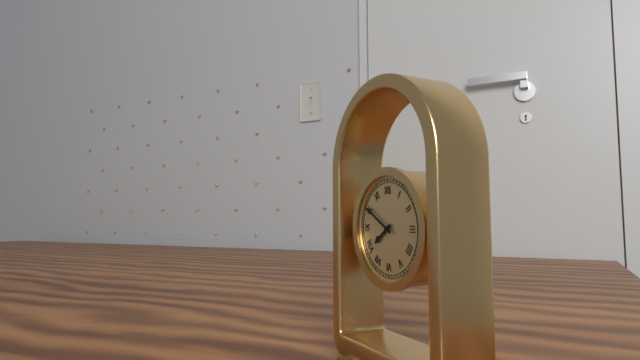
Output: **7:50**
